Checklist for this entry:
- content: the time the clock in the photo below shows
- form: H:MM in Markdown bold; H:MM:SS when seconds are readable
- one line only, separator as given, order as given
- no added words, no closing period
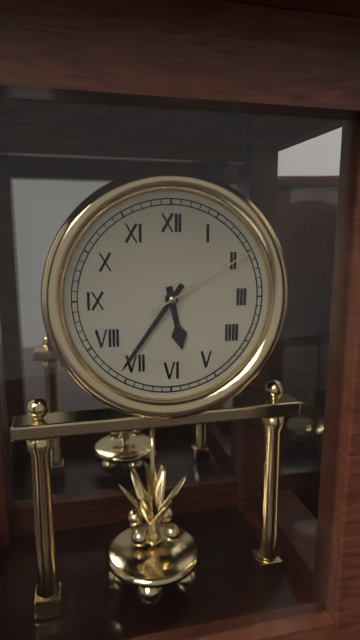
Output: **5:36:10**
